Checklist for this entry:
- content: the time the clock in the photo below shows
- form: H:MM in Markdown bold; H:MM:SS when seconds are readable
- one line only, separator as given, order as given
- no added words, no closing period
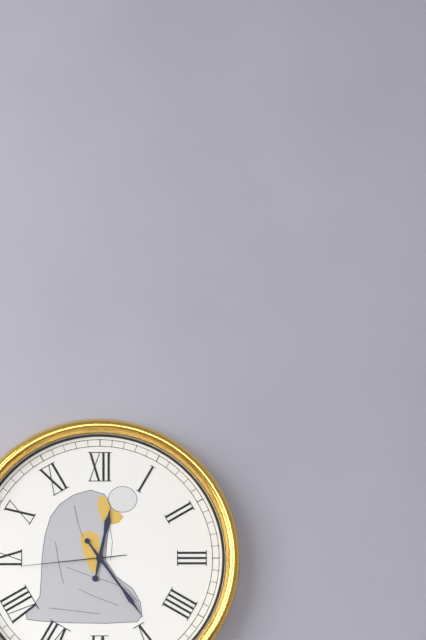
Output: **12:24:44**
